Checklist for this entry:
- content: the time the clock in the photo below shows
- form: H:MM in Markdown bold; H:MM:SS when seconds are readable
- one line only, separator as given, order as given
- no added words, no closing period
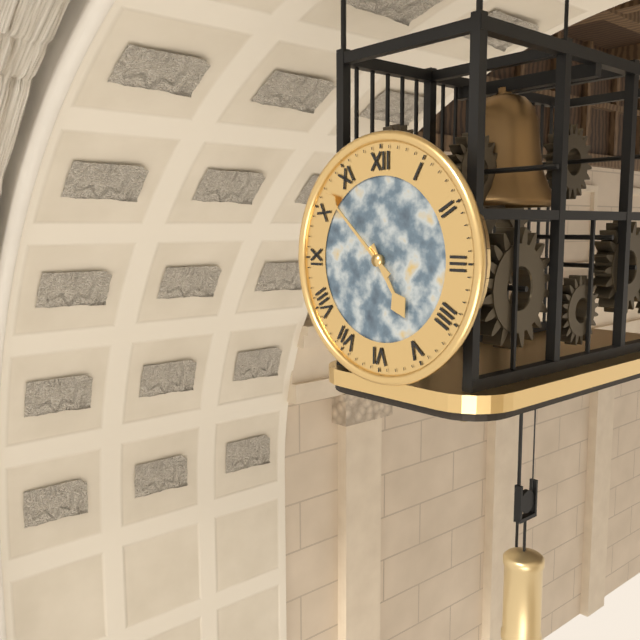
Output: **4:52**
